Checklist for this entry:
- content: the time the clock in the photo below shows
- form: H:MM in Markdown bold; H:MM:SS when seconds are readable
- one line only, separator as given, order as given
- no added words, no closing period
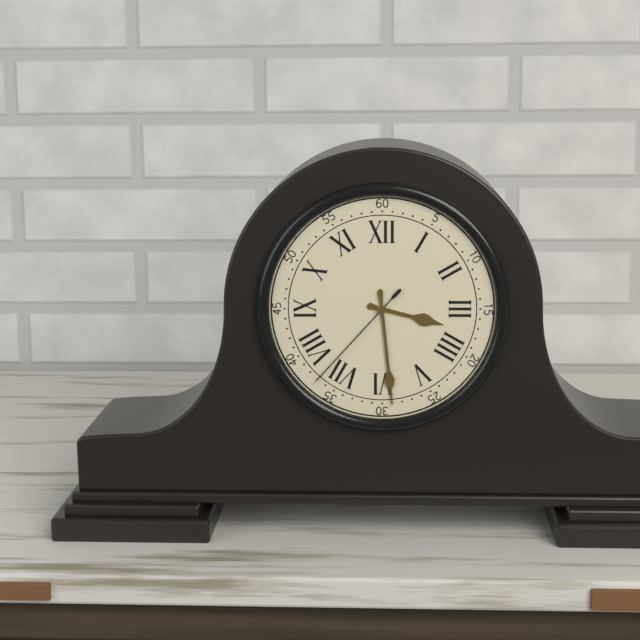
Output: **3:29:37**
